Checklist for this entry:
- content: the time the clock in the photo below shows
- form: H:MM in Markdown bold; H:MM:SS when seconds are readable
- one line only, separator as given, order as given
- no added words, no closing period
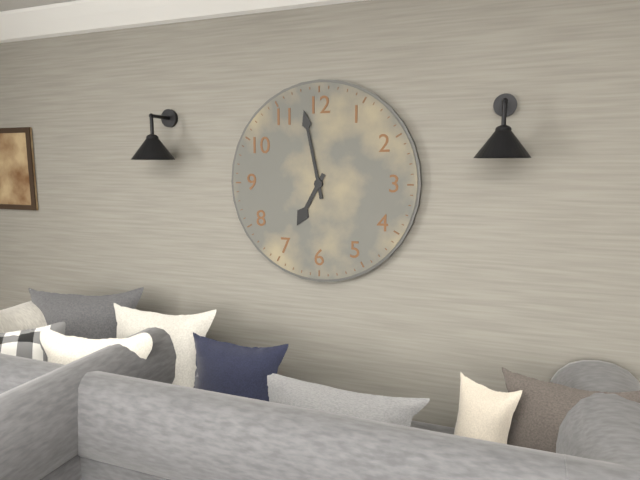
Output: **6:58**
